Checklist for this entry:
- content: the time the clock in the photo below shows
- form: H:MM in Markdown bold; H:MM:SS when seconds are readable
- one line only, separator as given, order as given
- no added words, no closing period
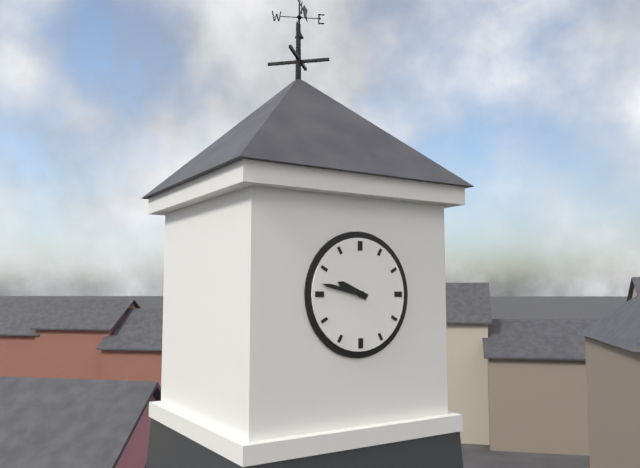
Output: **9:47**
